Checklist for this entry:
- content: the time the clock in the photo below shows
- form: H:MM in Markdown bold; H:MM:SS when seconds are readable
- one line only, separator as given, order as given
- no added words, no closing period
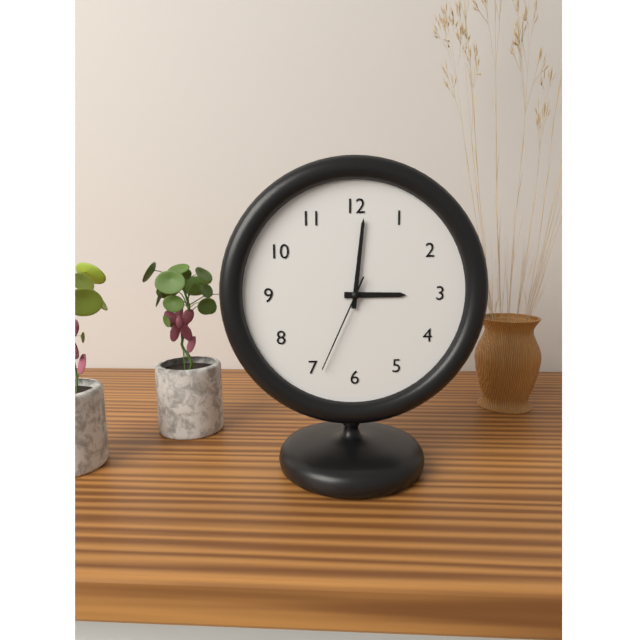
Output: **3:01:34**
